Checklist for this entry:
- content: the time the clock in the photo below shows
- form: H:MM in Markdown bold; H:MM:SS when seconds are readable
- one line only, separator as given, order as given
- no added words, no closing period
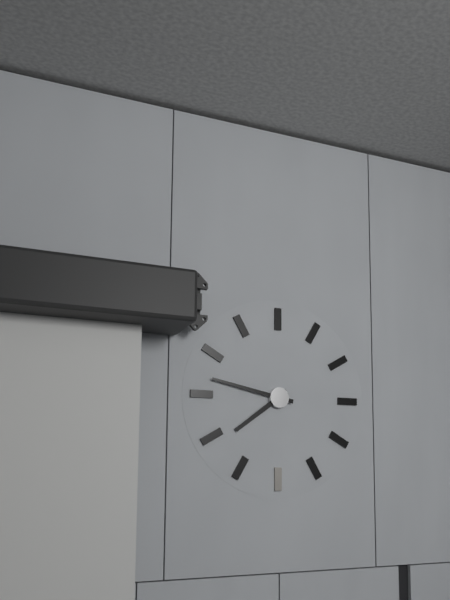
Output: **7:47**
